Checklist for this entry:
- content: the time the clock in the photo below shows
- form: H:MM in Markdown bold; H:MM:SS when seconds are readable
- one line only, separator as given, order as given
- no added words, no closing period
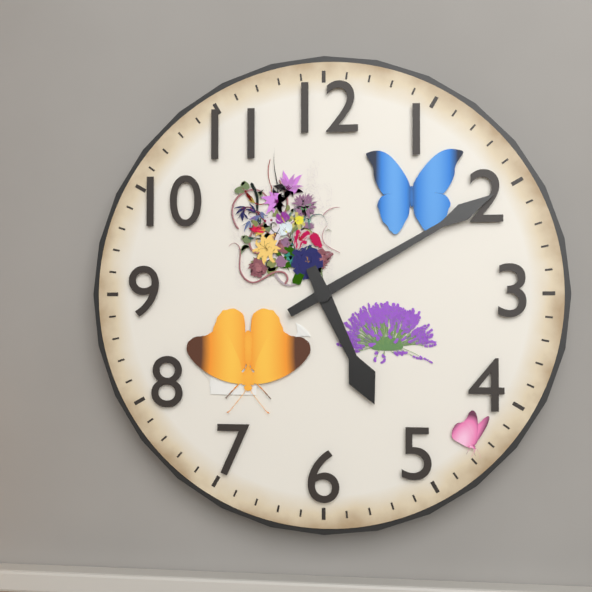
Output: **5:10**
